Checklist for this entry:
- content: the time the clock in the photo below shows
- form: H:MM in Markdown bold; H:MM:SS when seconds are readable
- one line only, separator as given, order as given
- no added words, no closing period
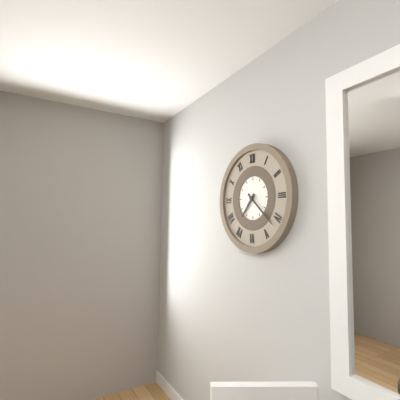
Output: **7:22**
